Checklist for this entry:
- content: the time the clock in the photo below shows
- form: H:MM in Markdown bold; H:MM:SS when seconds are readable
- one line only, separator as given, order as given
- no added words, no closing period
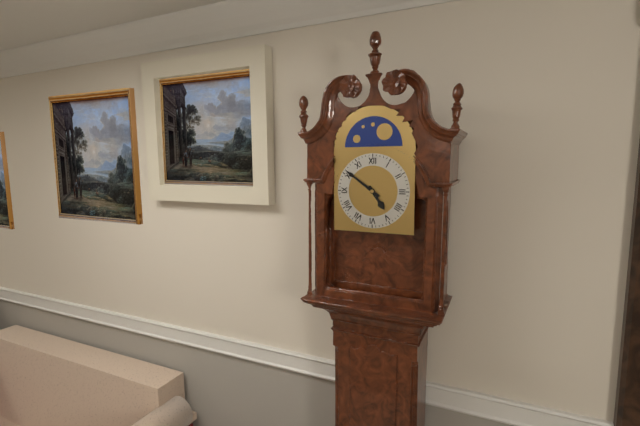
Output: **4:51**
